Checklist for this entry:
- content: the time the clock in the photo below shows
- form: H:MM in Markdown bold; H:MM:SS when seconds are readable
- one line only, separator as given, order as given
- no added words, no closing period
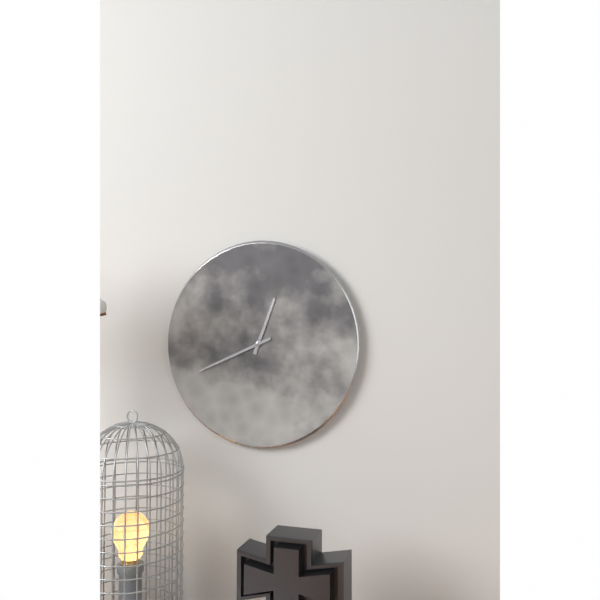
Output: **12:41**
